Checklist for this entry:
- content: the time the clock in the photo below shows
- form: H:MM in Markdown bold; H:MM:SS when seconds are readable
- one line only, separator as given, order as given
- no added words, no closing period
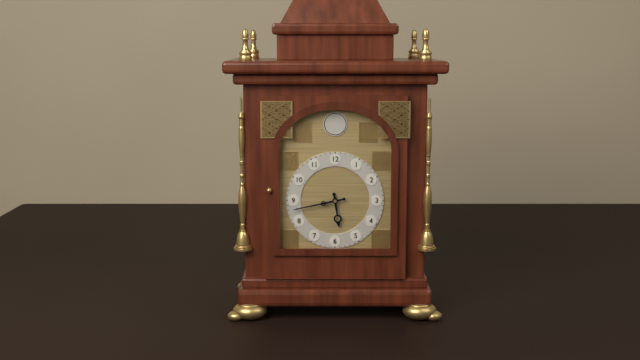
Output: **5:43**
